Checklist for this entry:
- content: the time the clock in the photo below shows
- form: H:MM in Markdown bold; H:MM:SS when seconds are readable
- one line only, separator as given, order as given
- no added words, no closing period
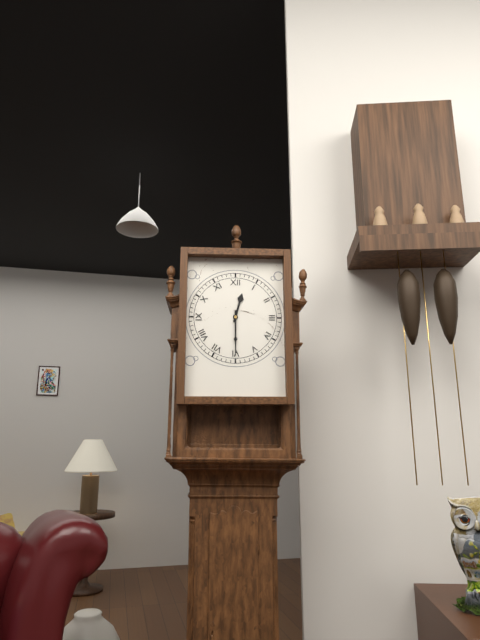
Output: **12:30**
